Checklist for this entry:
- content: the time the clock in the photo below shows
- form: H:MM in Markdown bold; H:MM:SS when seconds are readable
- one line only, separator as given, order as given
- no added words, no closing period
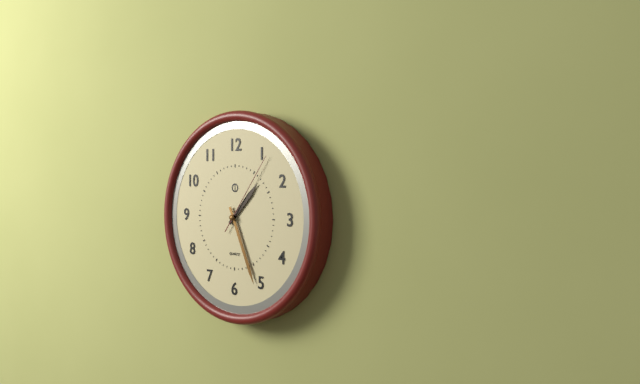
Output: **1:26:06**
